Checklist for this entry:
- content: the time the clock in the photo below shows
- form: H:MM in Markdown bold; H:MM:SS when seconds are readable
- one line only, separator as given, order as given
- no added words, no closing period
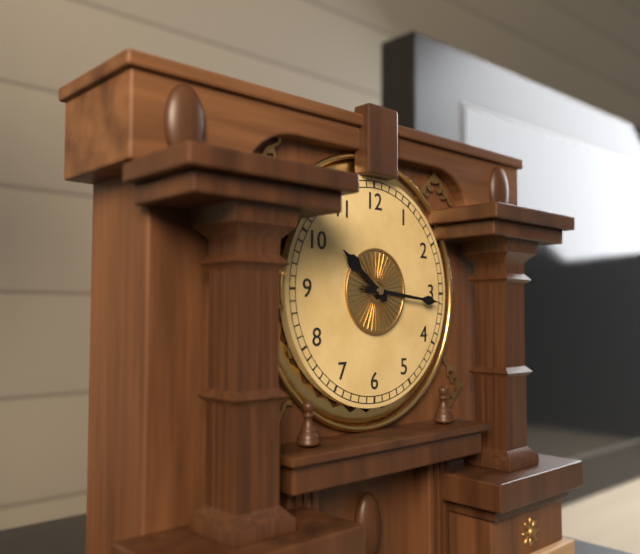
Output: **10:16**
